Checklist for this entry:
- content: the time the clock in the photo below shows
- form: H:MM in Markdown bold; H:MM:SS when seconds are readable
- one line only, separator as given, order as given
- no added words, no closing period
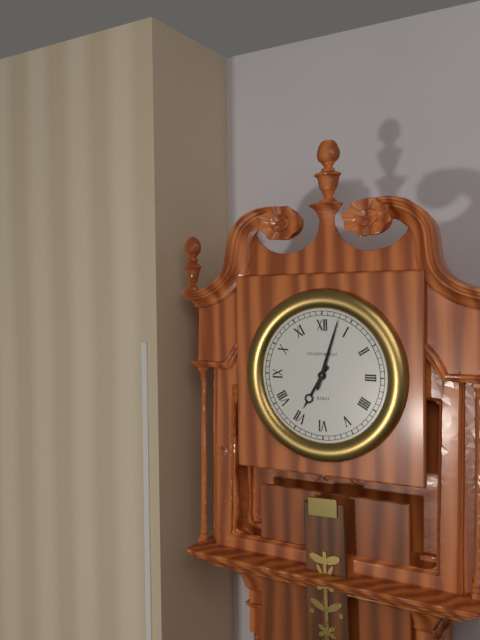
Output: **7:03**
